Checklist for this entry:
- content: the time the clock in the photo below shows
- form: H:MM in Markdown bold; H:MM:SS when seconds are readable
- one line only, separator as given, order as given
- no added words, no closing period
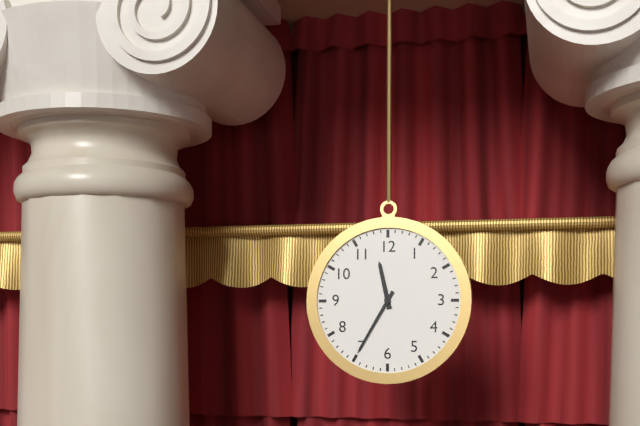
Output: **11:35**
